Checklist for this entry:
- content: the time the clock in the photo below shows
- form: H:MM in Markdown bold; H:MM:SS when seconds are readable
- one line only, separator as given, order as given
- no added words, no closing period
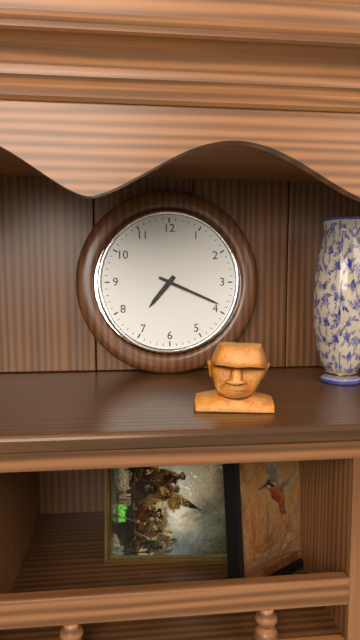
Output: **7:19**
